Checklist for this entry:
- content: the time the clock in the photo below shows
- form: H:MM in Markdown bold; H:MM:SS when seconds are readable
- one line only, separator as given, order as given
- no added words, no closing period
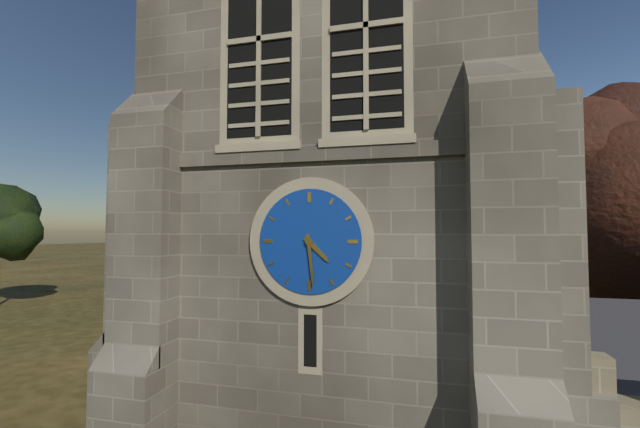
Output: **4:29**
